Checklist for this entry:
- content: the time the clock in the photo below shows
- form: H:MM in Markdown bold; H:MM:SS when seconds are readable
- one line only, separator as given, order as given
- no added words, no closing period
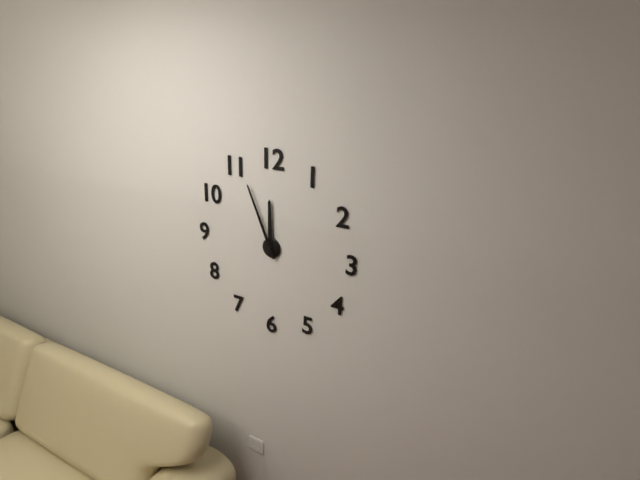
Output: **11:56**
